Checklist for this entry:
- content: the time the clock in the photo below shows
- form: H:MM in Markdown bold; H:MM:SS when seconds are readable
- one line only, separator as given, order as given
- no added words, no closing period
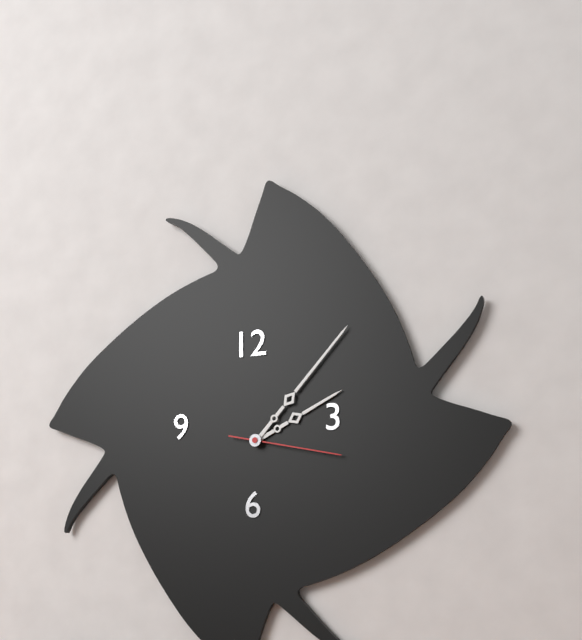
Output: **2:07:17**
